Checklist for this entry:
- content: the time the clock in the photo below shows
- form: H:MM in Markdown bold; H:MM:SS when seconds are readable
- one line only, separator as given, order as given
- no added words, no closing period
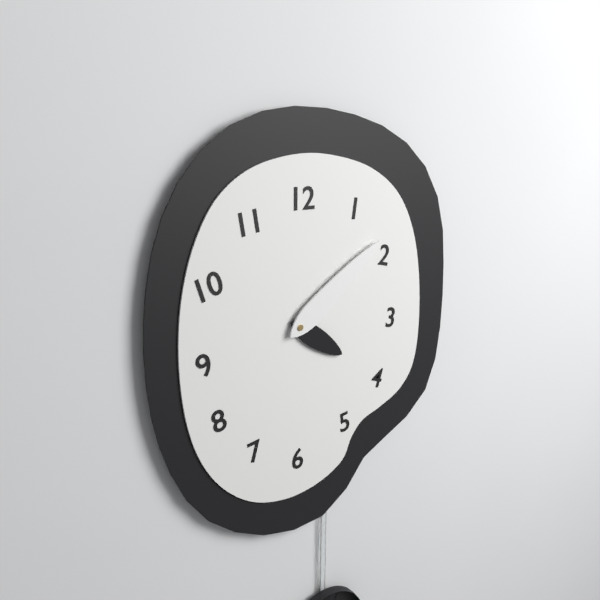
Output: **4:09**
